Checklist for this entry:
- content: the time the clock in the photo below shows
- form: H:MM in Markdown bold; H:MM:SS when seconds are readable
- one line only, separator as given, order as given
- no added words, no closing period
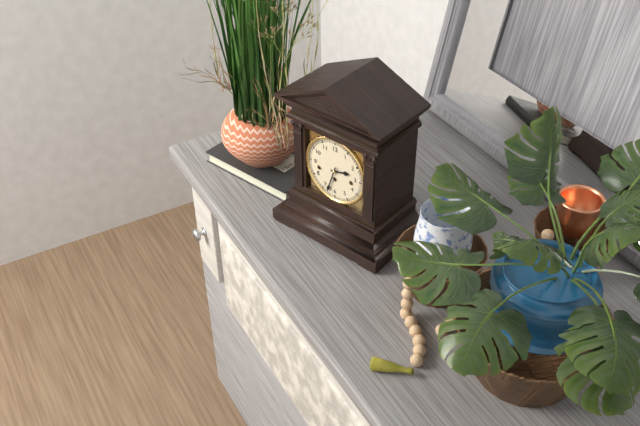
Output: **2:33**
